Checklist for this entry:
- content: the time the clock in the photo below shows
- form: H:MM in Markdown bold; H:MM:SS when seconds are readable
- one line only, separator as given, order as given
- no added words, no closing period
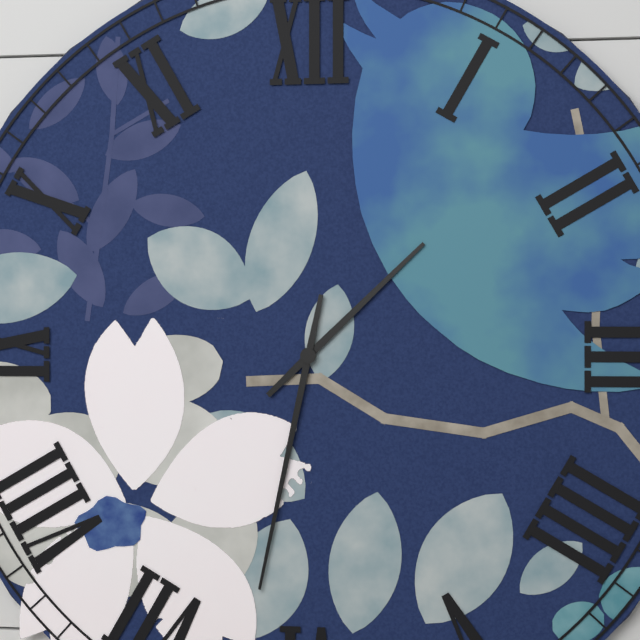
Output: **1:32**
